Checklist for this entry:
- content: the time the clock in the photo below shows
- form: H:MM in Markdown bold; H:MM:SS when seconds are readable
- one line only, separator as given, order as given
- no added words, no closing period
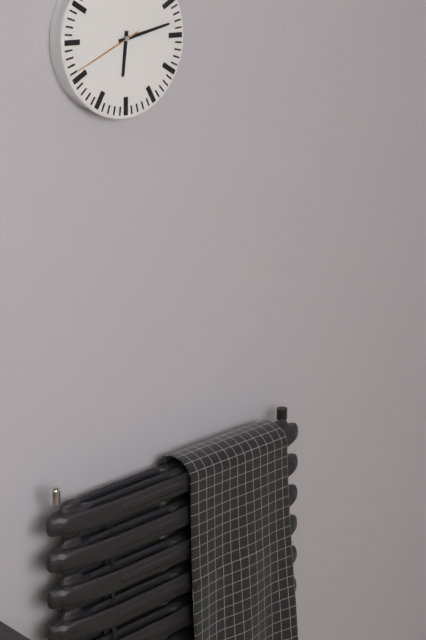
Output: **6:13:41**
